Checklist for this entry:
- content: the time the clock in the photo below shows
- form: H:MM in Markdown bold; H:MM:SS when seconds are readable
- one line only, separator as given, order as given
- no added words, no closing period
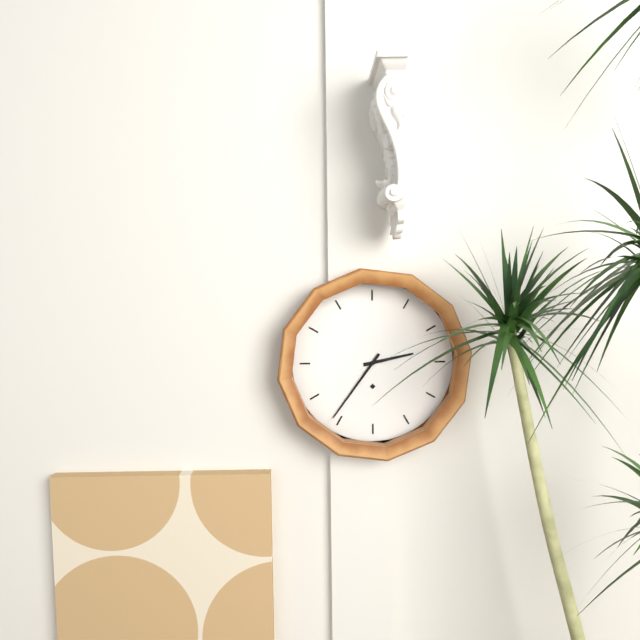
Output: **2:36**
